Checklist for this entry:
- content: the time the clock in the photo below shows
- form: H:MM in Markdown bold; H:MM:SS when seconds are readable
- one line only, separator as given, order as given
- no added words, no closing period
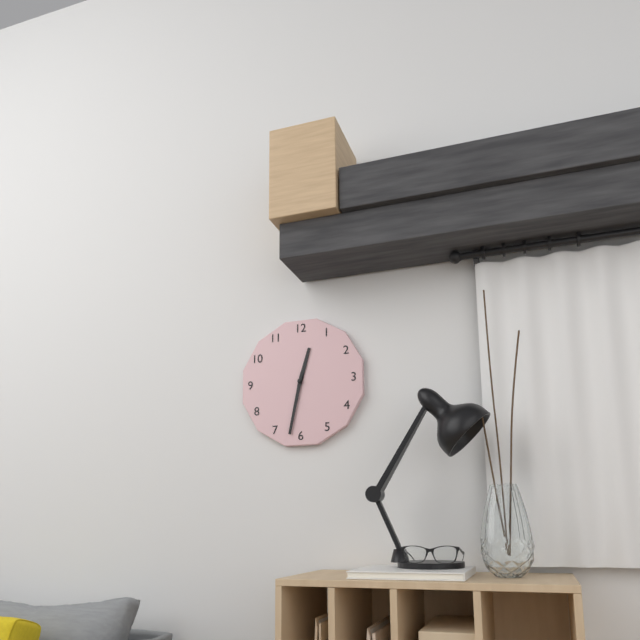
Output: **12:32**
